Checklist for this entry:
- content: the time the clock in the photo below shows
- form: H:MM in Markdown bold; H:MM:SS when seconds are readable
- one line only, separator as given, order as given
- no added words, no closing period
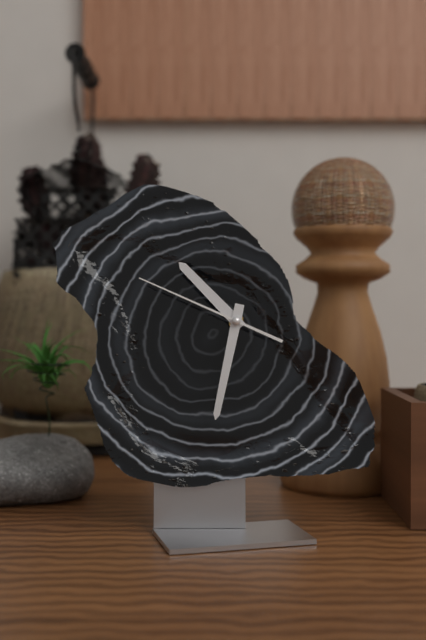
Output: **10:32:49**
